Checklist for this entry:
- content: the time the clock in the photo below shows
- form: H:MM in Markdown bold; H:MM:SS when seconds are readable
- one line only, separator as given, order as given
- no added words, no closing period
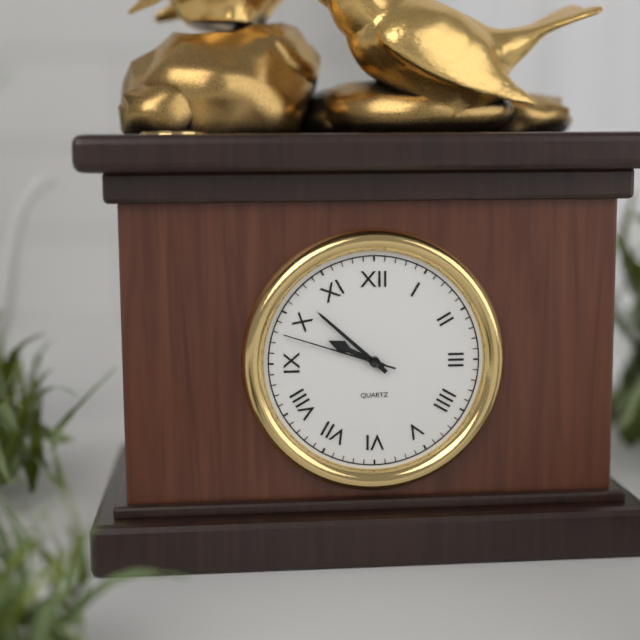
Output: **9:52:48**
